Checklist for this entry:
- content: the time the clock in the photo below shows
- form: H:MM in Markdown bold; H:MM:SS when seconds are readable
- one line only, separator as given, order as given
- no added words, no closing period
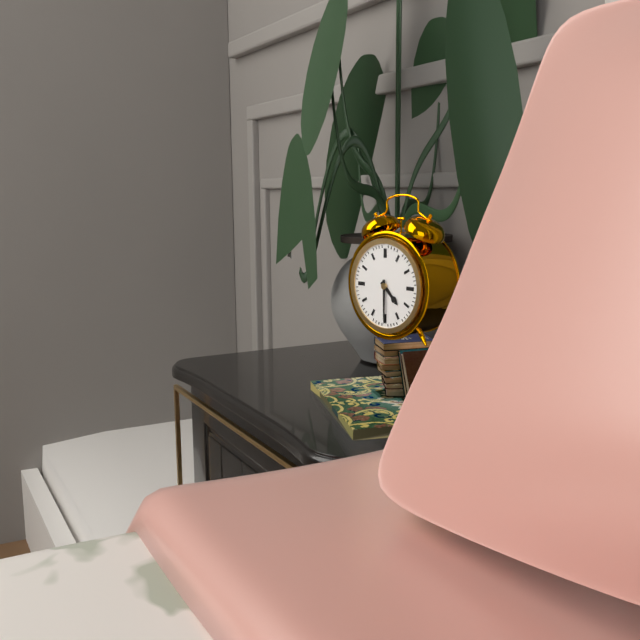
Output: **4:30**
